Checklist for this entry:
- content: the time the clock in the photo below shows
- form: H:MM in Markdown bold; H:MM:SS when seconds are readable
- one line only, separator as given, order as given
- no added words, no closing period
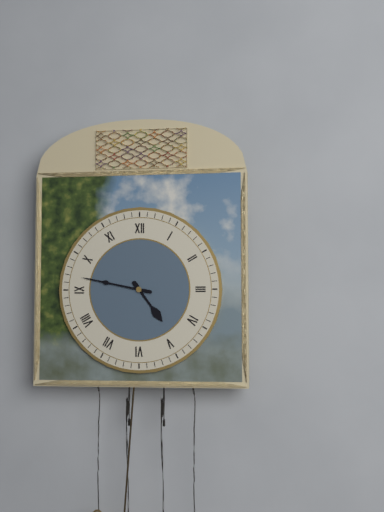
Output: **4:47**
